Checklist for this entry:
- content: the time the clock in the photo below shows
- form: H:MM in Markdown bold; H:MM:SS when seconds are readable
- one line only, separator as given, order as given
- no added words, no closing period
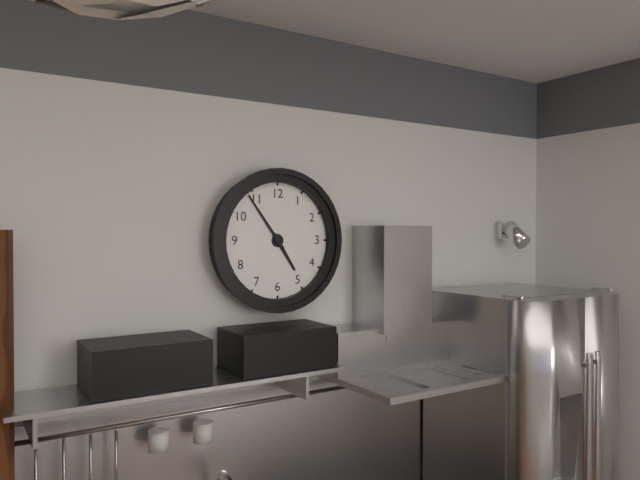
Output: **4:54**
